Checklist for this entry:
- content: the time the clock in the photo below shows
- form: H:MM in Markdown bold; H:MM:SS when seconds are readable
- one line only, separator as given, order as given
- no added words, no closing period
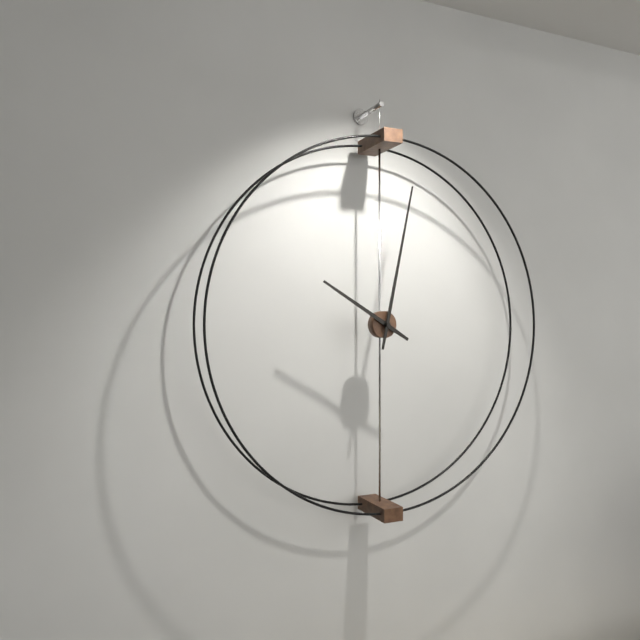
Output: **10:02**
